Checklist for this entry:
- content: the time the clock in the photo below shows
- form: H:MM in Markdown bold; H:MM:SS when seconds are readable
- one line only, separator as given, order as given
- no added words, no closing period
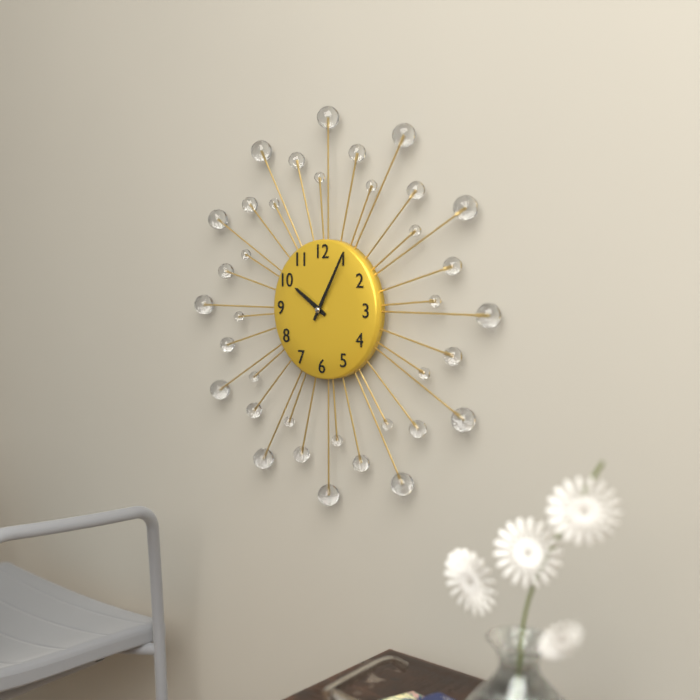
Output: **10:05**
